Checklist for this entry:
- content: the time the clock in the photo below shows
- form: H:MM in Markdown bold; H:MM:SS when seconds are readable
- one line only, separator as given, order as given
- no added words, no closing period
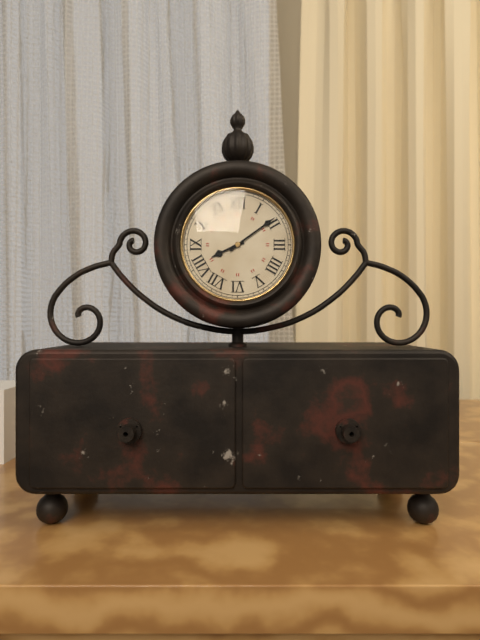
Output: **8:09**
